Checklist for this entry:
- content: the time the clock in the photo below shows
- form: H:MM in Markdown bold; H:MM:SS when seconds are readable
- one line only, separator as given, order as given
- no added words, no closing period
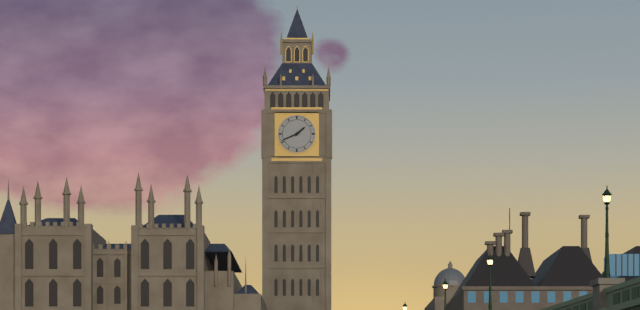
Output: **1:41**
